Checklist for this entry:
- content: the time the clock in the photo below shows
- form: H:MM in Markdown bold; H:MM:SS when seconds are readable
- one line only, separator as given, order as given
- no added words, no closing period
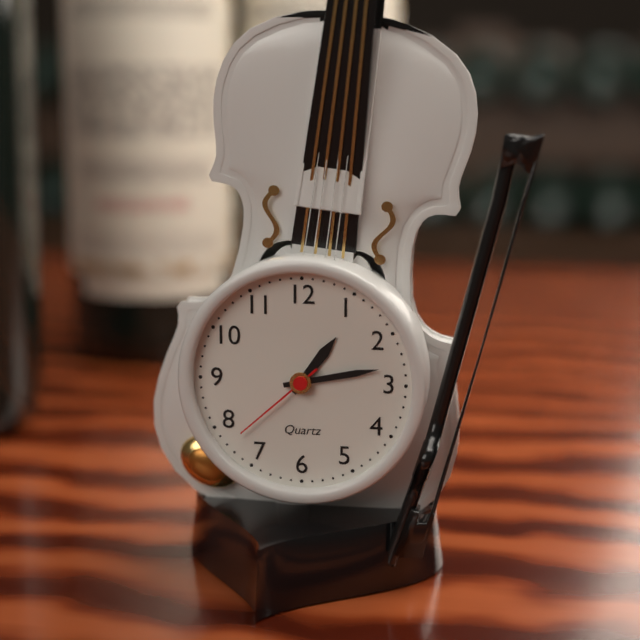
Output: **1:13:38**
